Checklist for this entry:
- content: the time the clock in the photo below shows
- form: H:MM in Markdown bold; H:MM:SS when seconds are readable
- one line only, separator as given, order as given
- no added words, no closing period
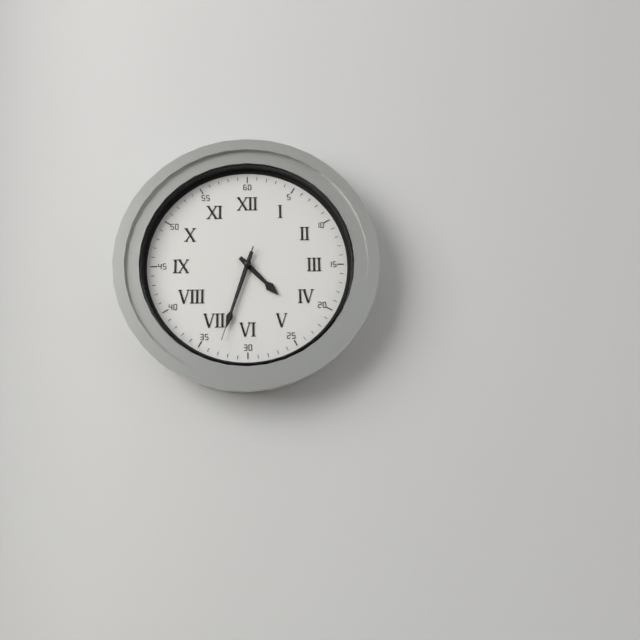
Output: **4:33:33**
